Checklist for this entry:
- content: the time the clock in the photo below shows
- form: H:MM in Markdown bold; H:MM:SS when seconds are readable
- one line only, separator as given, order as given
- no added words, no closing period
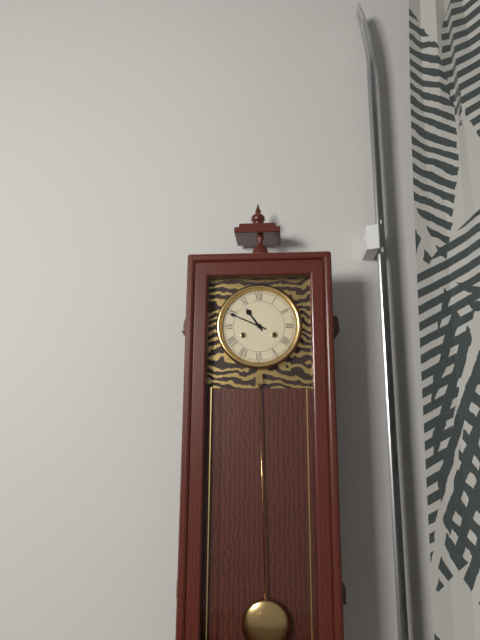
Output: **10:49**
